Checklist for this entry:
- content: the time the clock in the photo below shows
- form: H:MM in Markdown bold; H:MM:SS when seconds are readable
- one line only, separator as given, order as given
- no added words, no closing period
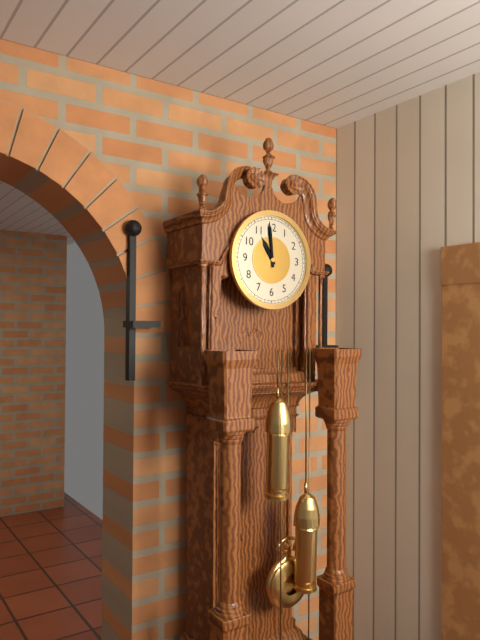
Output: **10:59**
